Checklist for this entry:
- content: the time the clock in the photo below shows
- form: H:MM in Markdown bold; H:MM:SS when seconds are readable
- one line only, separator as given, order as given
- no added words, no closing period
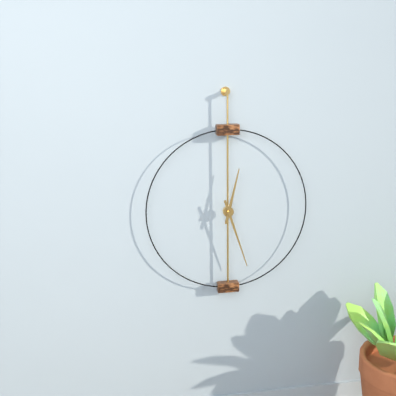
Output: **12:27**
